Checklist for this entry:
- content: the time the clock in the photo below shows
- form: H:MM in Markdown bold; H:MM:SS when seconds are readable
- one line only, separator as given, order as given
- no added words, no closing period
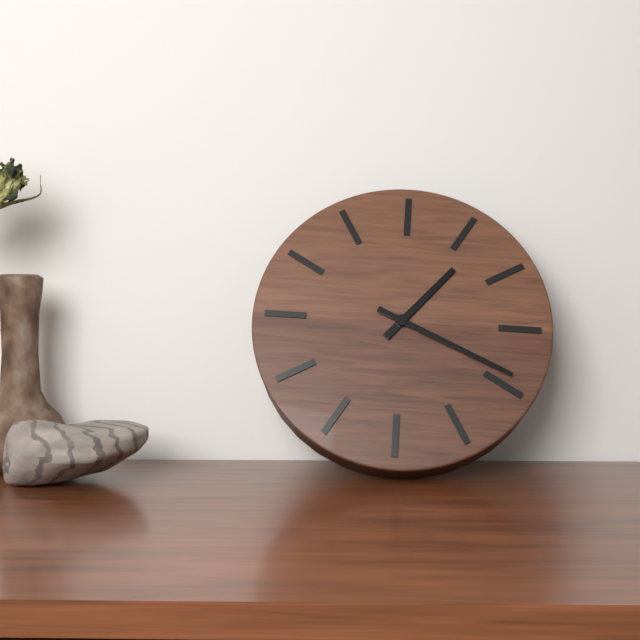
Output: **1:19**
